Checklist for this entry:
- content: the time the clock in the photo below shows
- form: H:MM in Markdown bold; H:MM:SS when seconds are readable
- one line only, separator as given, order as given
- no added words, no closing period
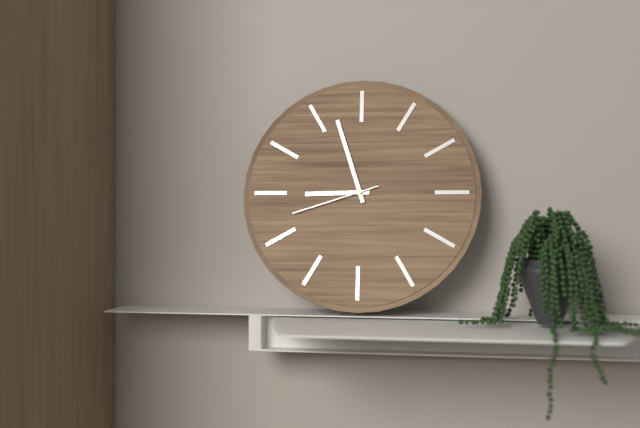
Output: **8:57:42**
